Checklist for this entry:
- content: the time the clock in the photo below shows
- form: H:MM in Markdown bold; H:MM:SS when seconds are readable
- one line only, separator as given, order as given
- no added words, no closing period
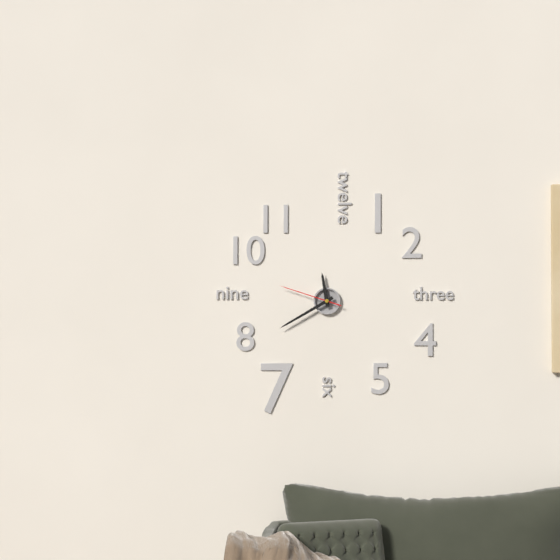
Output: **11:40:48**
